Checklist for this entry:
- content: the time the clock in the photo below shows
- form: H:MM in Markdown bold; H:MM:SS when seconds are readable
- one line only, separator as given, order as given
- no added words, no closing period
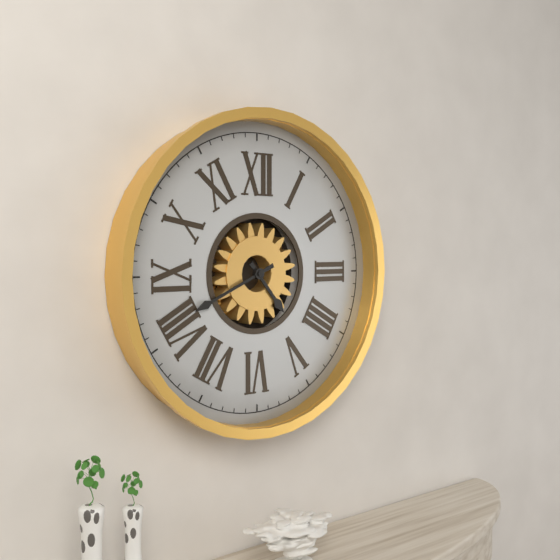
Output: **4:41**
